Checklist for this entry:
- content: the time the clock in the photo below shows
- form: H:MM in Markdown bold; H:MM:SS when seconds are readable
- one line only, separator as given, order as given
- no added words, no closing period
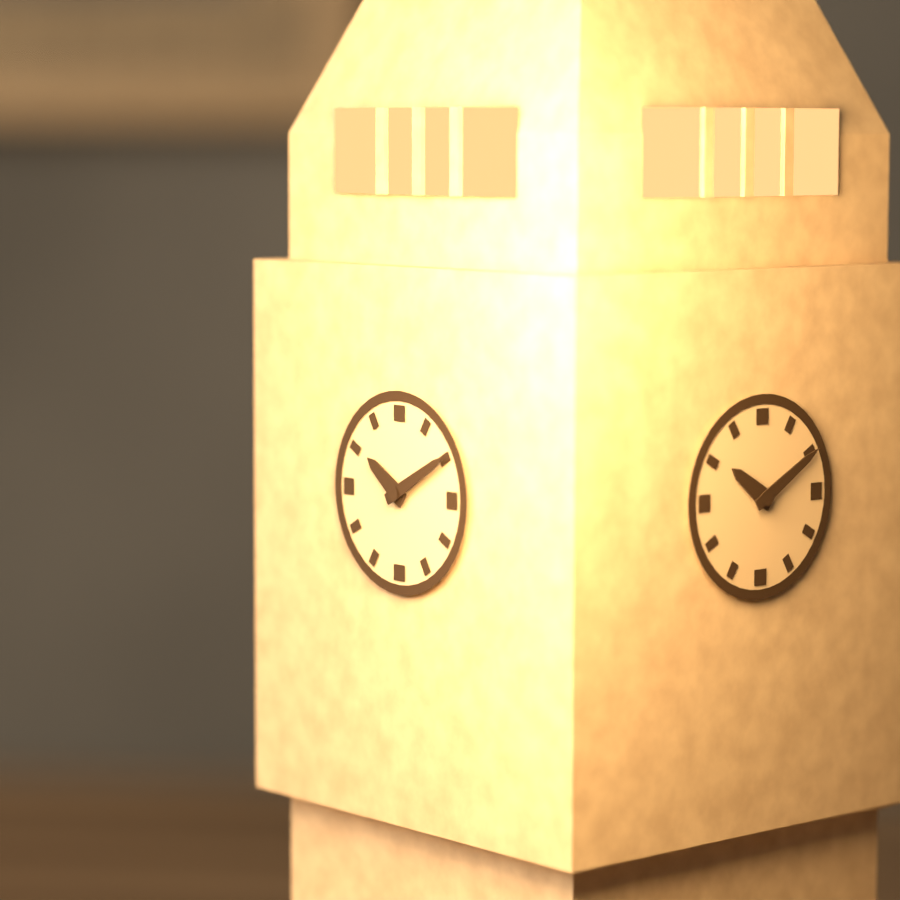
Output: **10:10**
